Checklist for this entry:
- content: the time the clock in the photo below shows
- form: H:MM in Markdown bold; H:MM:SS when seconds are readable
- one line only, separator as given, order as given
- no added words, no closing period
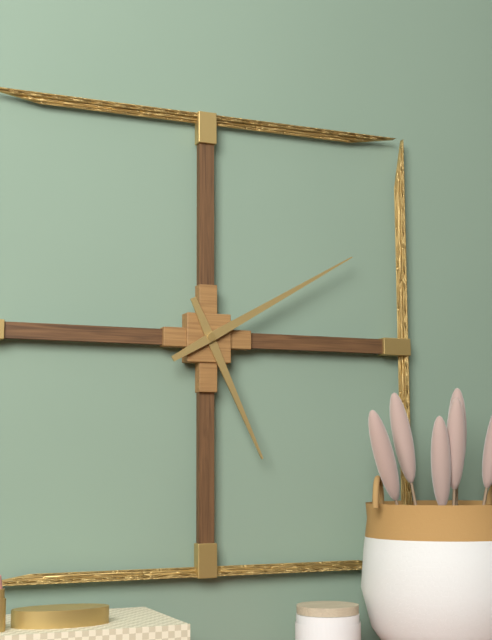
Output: **5:10**
